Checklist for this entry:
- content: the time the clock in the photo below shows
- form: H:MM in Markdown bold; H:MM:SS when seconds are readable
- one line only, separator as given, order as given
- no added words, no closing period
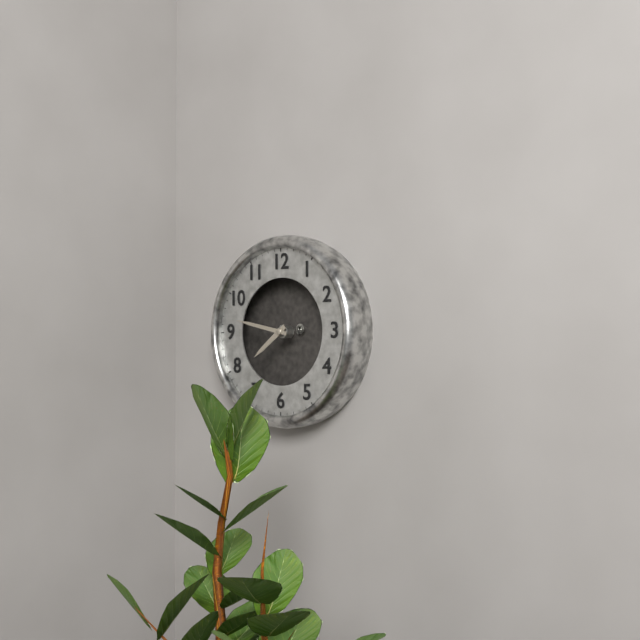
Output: **7:47**
